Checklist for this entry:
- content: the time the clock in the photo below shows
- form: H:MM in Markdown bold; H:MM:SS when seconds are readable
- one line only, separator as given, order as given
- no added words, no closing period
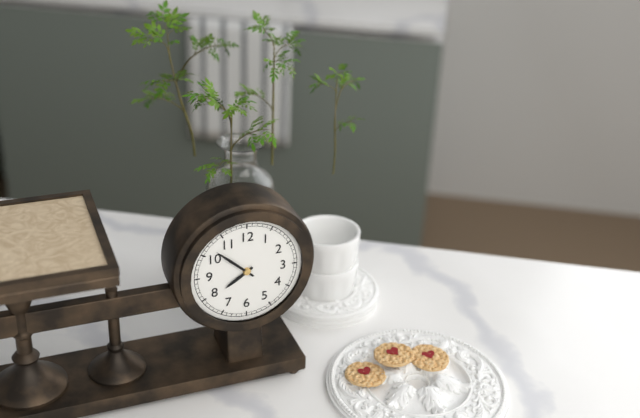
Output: **7:52**
